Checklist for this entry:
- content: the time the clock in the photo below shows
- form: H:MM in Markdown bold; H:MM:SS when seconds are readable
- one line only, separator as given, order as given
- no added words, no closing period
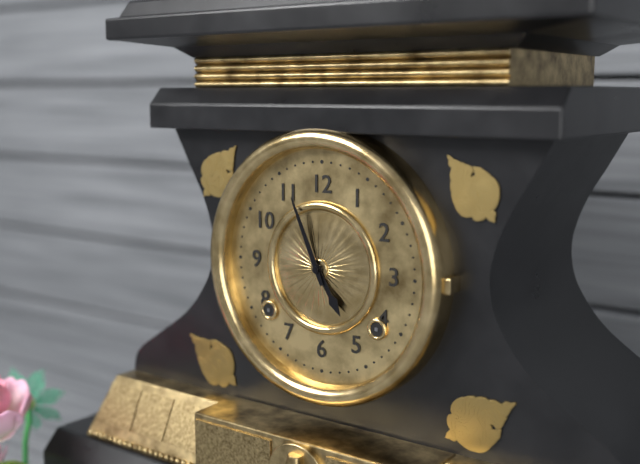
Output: **4:56**
